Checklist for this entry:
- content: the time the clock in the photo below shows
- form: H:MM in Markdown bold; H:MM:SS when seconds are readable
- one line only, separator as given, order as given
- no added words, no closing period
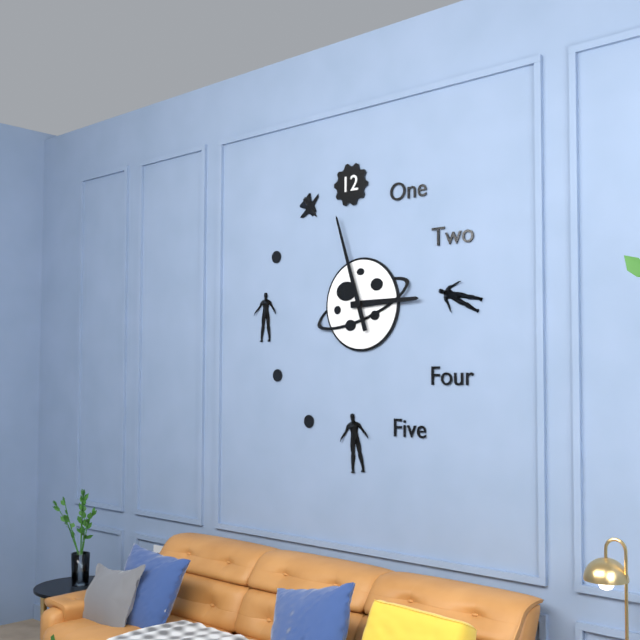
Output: **2:57**
